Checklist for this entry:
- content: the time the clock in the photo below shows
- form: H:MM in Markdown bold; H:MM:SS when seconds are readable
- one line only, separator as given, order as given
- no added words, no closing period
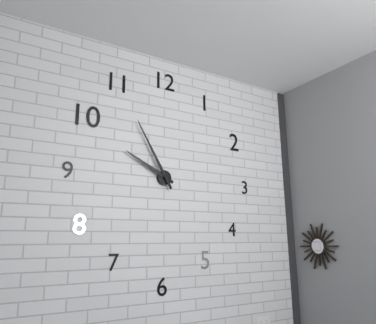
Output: **9:55**
